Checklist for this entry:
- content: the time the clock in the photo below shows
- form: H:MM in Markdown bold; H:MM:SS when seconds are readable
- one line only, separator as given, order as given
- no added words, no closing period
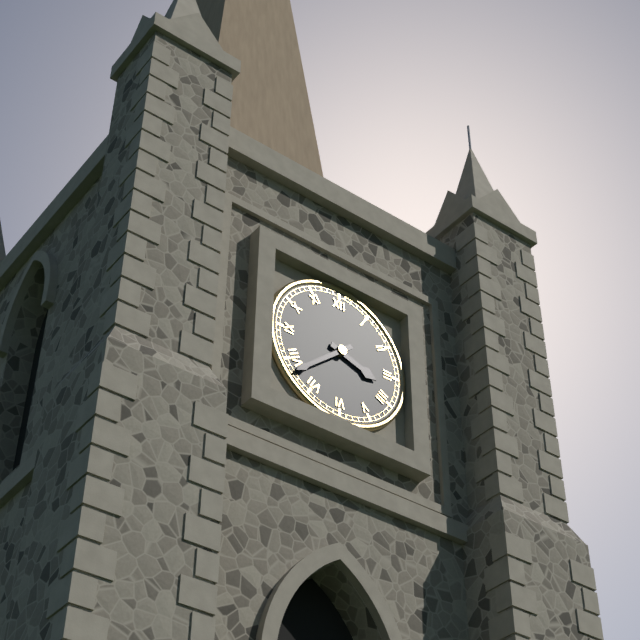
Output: **3:38**
